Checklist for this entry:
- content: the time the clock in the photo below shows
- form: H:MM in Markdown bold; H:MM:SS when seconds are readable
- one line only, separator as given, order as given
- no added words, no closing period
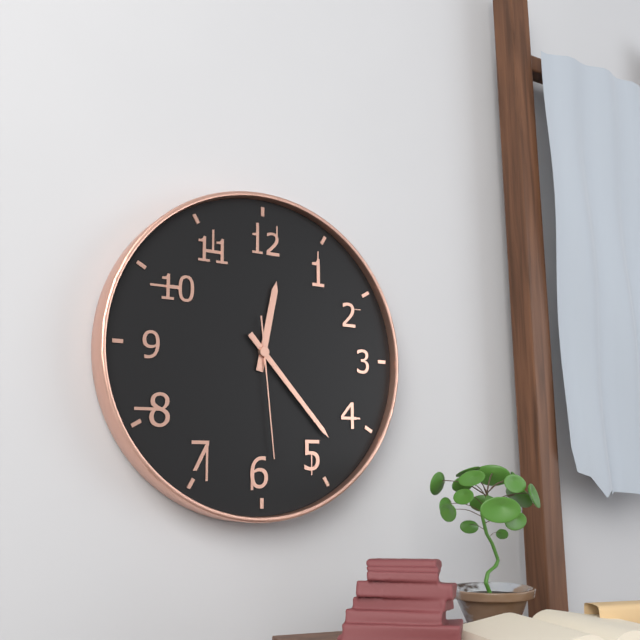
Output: **12:23:29**
